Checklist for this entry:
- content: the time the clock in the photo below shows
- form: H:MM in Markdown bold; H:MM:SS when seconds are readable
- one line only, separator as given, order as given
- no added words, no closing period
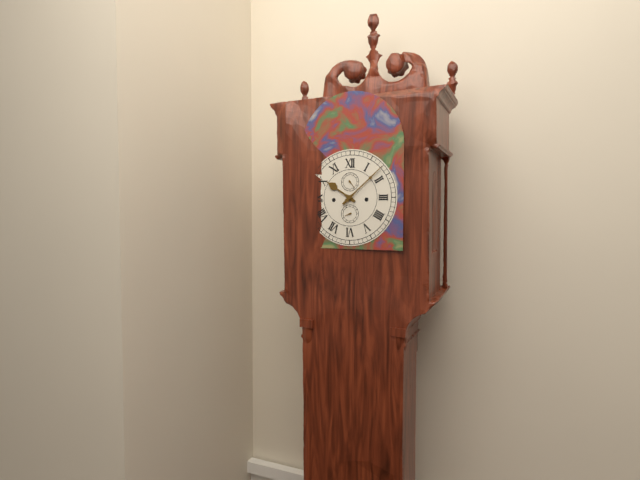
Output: **10:08**
